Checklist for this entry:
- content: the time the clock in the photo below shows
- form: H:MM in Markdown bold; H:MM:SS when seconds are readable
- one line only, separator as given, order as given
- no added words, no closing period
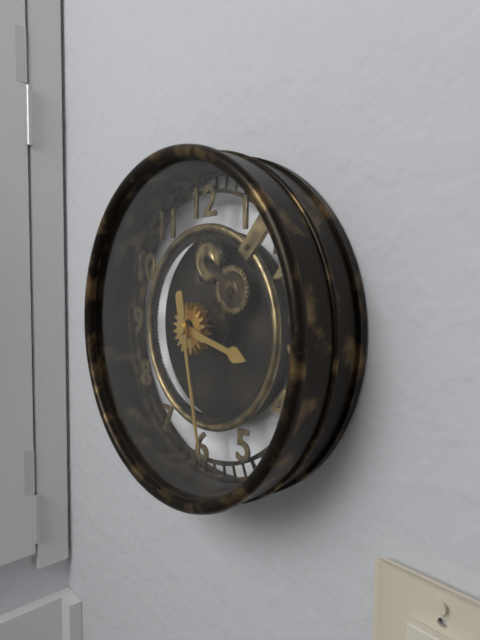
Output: **3:28**
